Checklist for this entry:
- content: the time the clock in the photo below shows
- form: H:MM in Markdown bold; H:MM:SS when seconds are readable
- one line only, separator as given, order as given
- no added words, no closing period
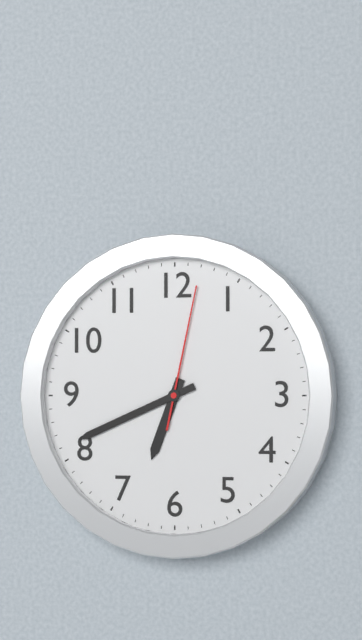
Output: **6:41:02**
